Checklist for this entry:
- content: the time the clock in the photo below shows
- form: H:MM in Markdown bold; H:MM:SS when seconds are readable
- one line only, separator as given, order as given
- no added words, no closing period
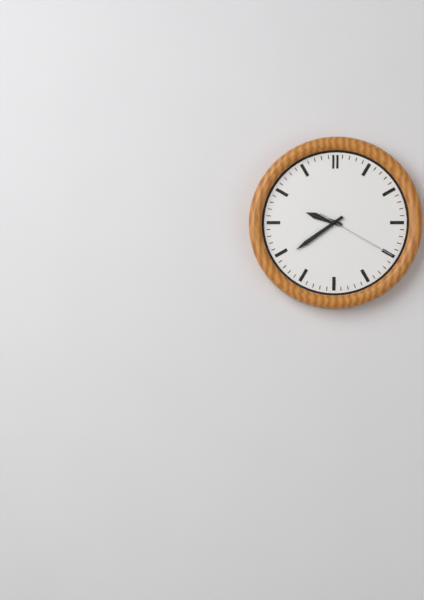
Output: **9:39:20**
